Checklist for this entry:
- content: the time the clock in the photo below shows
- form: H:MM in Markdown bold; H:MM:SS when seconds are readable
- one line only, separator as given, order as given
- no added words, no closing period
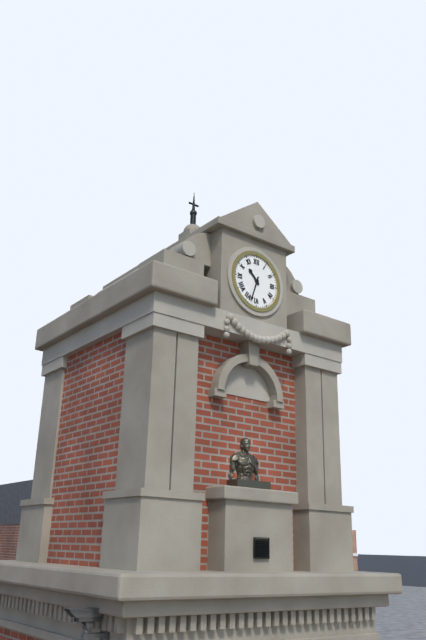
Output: **10:33**
